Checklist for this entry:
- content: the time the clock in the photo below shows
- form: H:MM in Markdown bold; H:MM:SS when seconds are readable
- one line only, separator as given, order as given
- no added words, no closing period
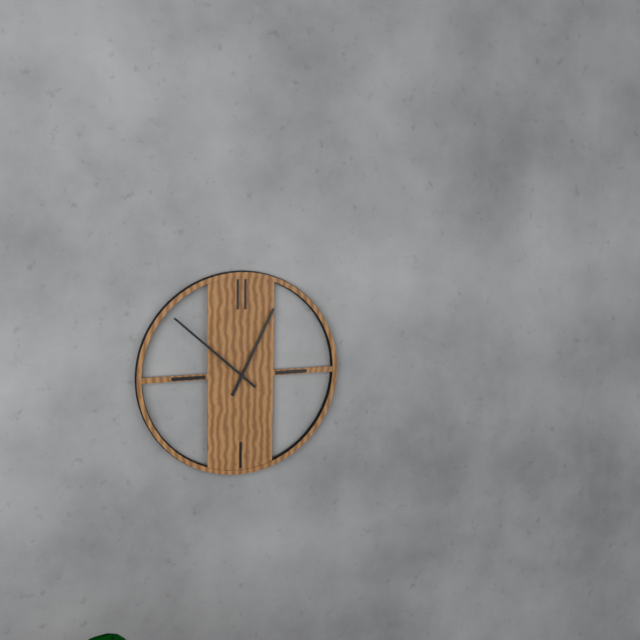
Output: **12:52**
